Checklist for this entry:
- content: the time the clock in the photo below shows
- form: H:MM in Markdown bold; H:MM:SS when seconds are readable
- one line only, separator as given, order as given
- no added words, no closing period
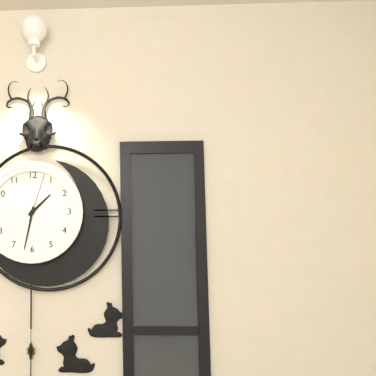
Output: **1:32:03**
